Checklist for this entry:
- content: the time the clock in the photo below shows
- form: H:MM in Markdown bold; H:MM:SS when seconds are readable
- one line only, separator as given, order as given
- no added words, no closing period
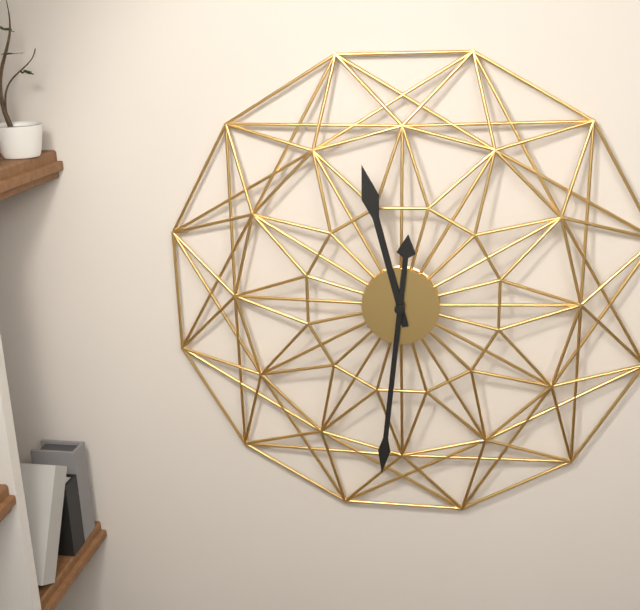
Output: **11:31**
